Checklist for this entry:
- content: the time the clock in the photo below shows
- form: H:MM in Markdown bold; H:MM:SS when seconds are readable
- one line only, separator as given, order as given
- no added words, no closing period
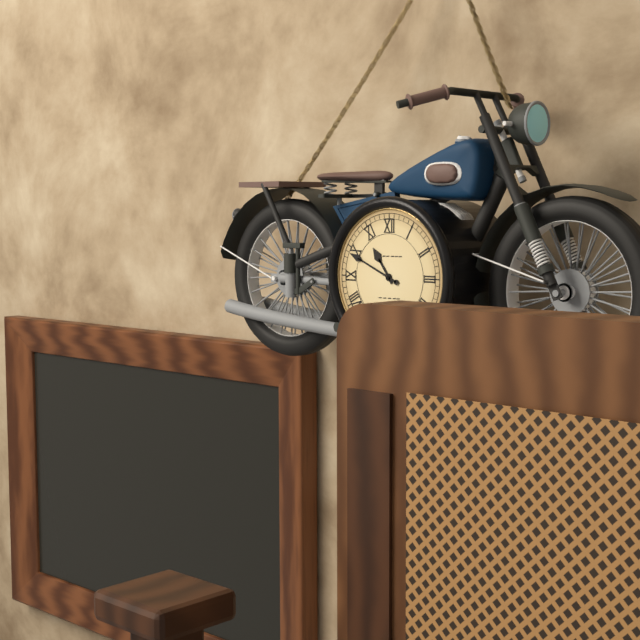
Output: **10:49**
